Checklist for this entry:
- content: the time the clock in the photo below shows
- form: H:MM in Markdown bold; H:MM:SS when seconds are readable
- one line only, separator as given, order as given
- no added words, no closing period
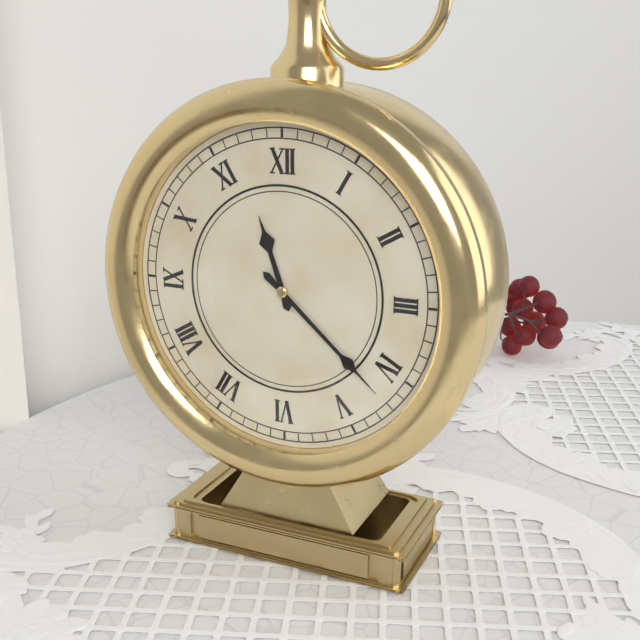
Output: **11:22**
